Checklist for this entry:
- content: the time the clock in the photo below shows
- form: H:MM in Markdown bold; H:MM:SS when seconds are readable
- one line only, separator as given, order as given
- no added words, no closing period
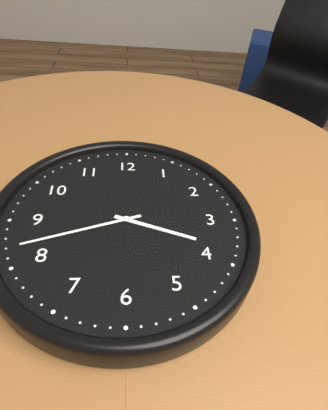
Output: **3:42**
